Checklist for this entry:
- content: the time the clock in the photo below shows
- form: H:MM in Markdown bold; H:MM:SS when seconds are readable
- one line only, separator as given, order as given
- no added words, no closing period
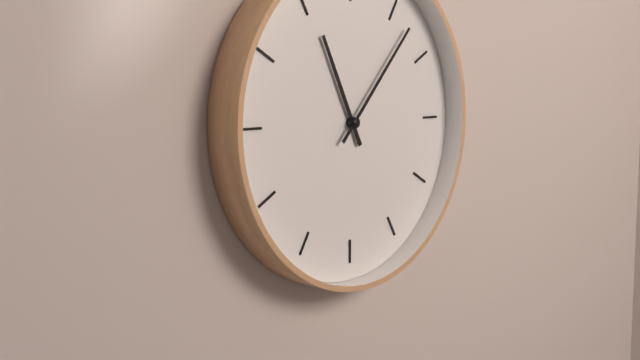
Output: **11:07**
